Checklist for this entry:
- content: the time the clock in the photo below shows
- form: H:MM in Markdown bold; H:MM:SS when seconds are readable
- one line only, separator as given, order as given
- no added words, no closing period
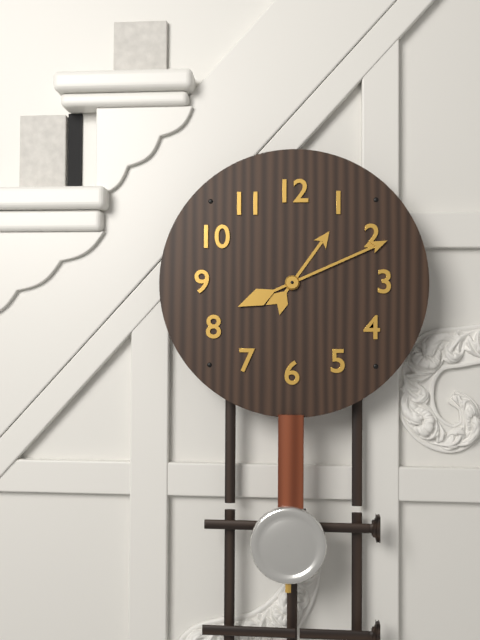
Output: **1:11**
